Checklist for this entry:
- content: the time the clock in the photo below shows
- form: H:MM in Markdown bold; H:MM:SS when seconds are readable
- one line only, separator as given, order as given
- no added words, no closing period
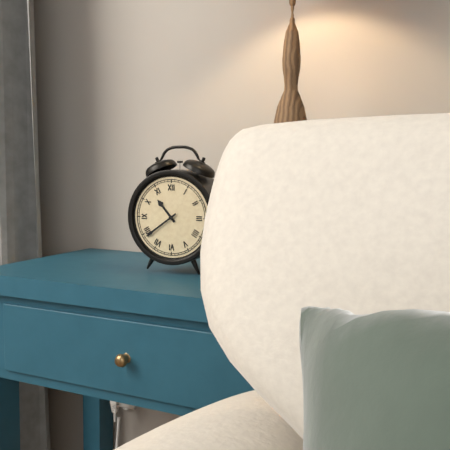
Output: **10:39**
